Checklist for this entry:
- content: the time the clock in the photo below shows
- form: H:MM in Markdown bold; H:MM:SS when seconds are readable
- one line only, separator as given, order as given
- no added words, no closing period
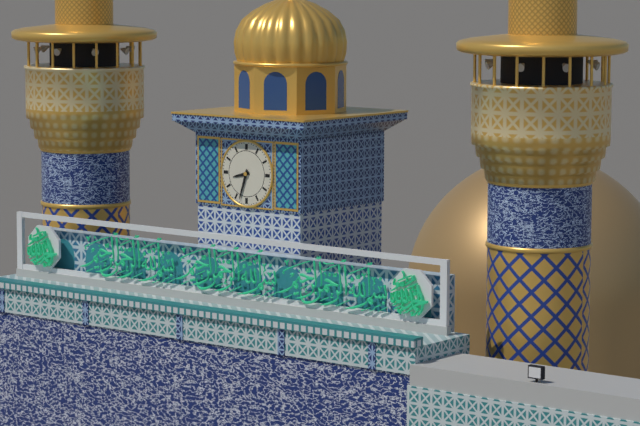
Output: **8:33**
